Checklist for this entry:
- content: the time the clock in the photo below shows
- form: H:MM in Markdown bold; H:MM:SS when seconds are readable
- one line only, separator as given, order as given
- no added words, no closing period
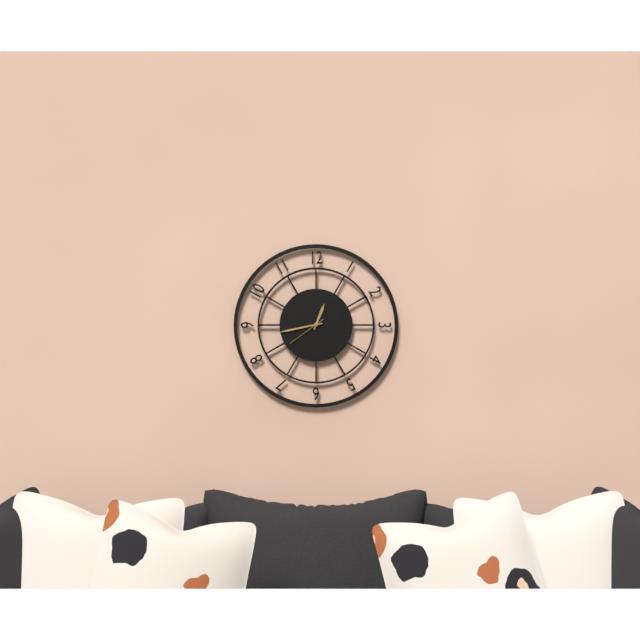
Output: **12:43**
